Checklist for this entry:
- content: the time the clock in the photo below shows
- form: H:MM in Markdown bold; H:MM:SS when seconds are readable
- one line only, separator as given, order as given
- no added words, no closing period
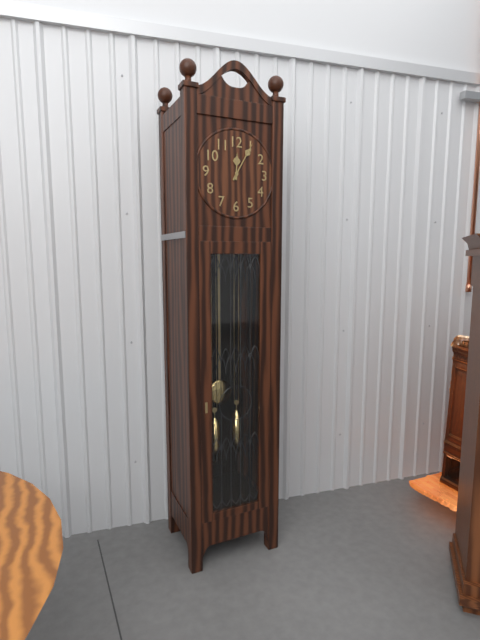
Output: **12:05**
